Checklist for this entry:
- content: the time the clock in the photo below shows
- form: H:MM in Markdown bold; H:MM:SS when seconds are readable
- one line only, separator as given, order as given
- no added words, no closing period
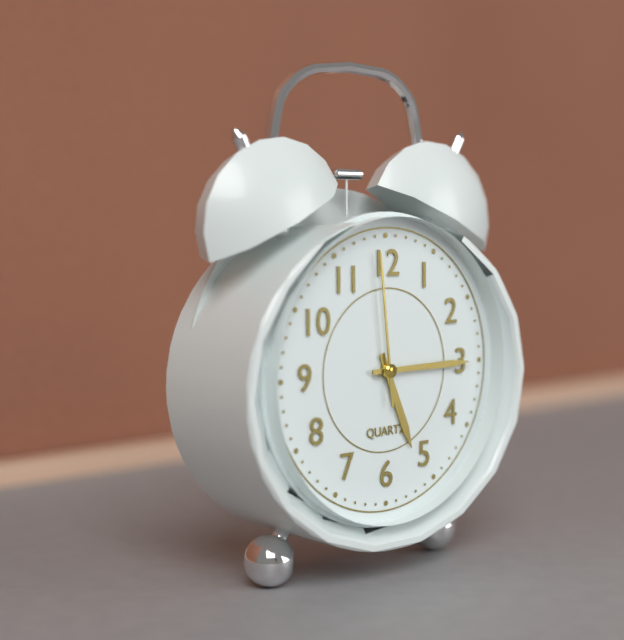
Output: **5:15:59**
